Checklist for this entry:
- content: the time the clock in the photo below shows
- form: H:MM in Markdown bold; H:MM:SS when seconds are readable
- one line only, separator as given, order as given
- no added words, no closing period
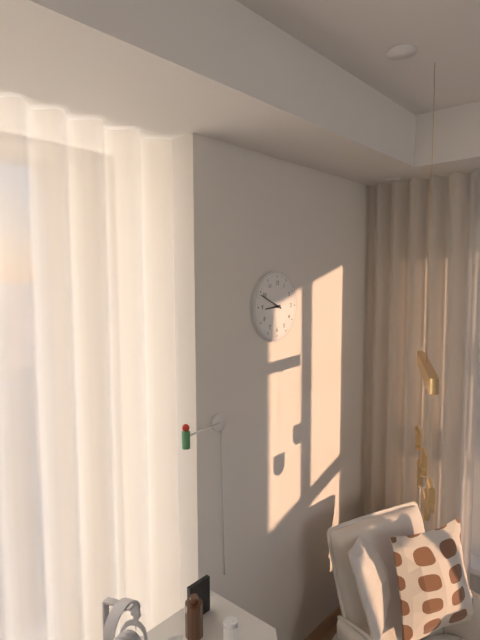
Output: **8:49**
